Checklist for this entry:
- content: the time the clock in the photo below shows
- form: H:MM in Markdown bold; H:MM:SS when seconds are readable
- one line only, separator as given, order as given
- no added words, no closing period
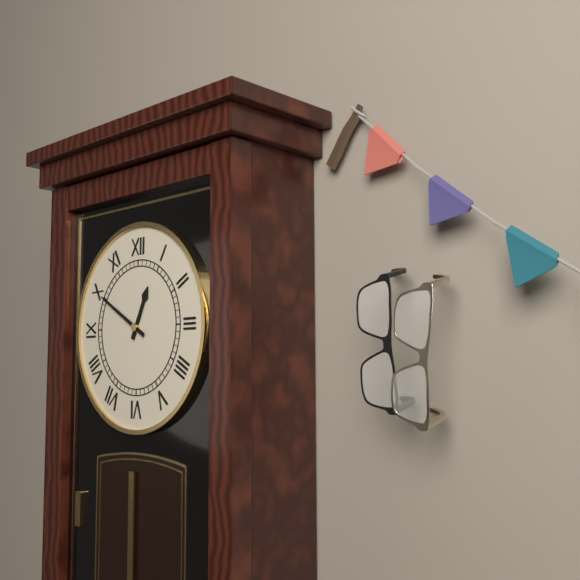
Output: **12:50**
